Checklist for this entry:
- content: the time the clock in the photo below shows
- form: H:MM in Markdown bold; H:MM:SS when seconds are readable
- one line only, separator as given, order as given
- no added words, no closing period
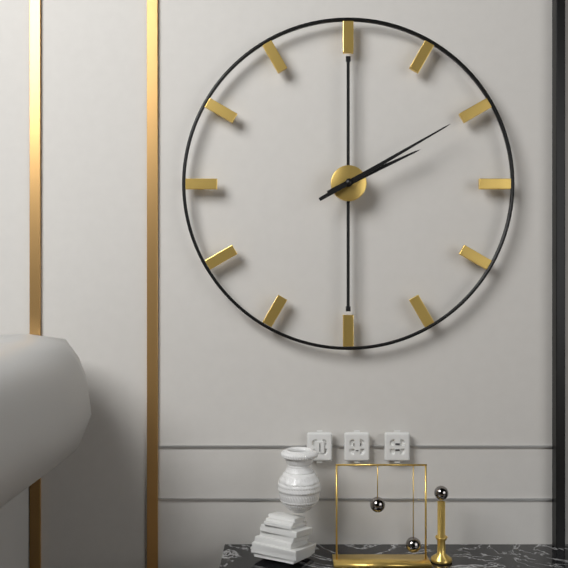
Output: **2:10**
